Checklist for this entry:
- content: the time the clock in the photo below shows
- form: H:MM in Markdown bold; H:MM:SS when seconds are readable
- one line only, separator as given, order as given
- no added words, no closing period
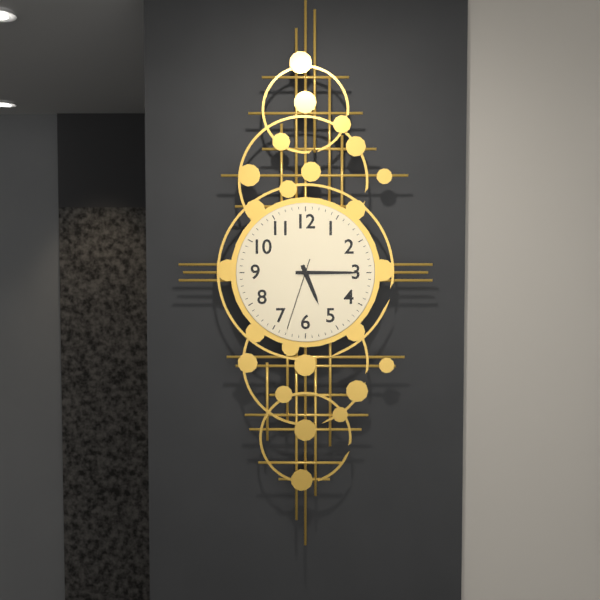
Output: **5:15:33**
